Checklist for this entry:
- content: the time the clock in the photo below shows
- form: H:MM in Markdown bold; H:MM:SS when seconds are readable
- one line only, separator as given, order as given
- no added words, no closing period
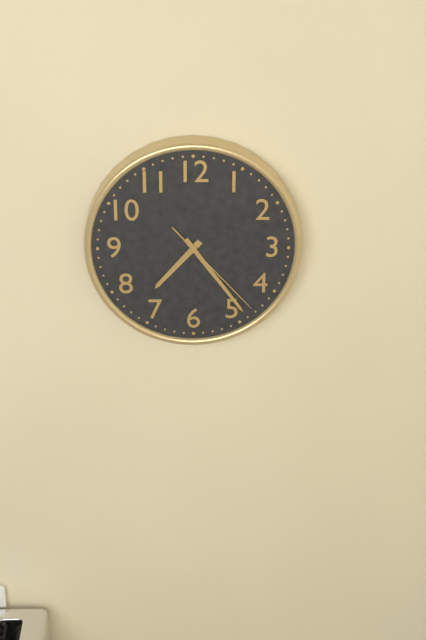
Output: **7:24:23**
